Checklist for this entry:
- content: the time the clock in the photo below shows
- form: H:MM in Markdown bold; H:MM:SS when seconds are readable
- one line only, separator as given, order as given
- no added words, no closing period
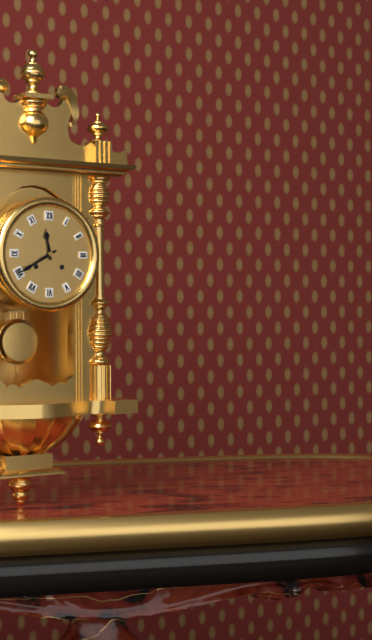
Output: **11:40**
